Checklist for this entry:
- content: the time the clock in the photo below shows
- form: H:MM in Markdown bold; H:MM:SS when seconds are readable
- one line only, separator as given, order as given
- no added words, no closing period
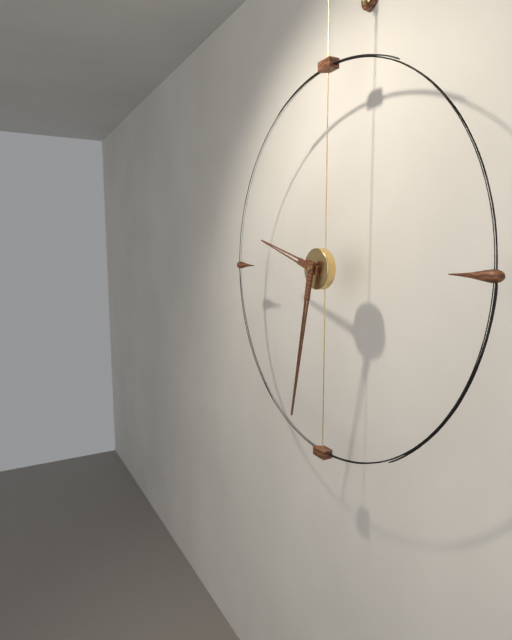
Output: **9:32**
